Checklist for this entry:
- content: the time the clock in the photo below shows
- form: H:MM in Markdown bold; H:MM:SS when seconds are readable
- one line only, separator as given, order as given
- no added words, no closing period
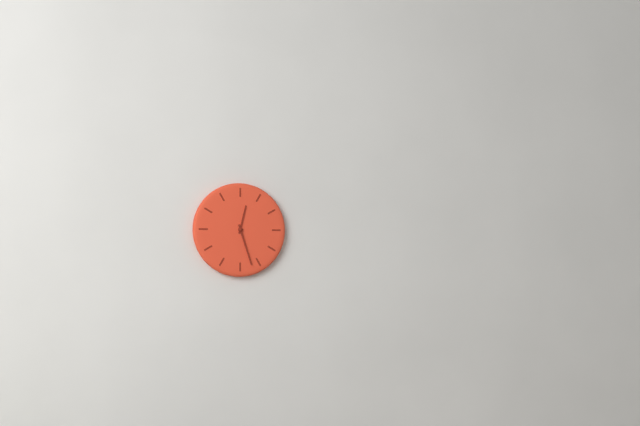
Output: **12:27**
